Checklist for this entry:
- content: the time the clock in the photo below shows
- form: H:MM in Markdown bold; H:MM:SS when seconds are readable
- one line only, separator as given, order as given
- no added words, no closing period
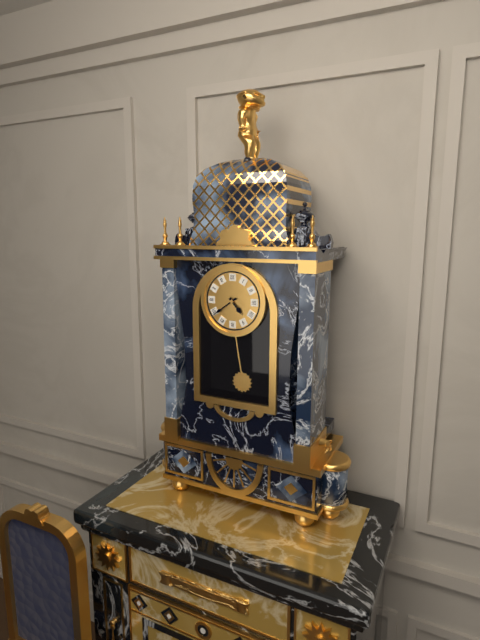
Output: **4:39**
